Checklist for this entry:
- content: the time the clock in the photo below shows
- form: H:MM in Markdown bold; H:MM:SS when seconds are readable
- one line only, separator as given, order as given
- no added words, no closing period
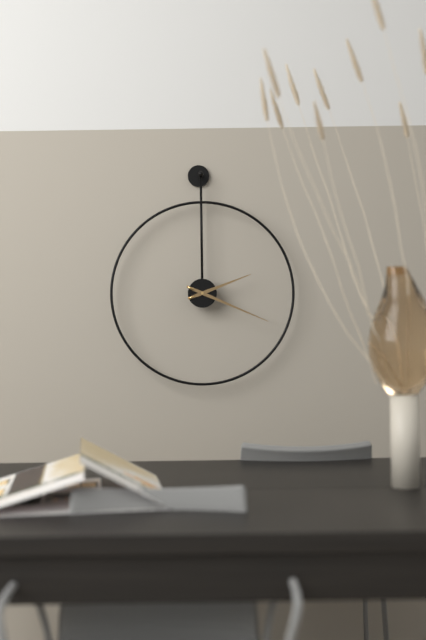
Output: **2:19**
